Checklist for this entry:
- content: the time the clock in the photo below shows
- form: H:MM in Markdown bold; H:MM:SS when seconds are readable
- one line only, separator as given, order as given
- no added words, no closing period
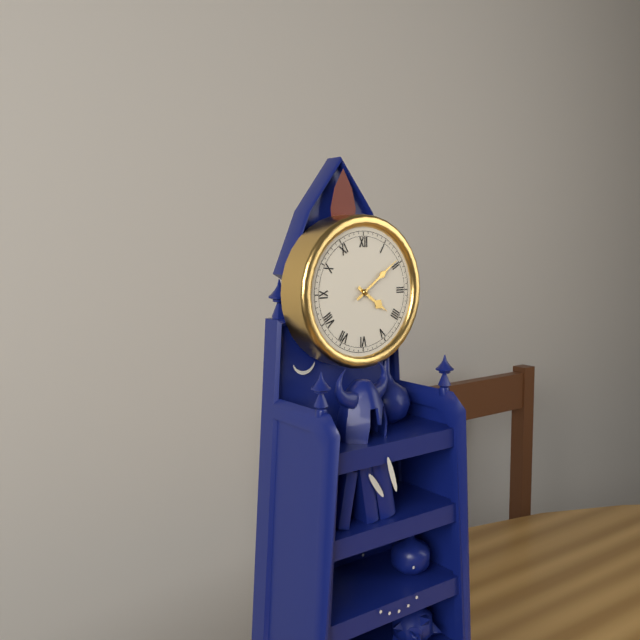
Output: **4:09**
